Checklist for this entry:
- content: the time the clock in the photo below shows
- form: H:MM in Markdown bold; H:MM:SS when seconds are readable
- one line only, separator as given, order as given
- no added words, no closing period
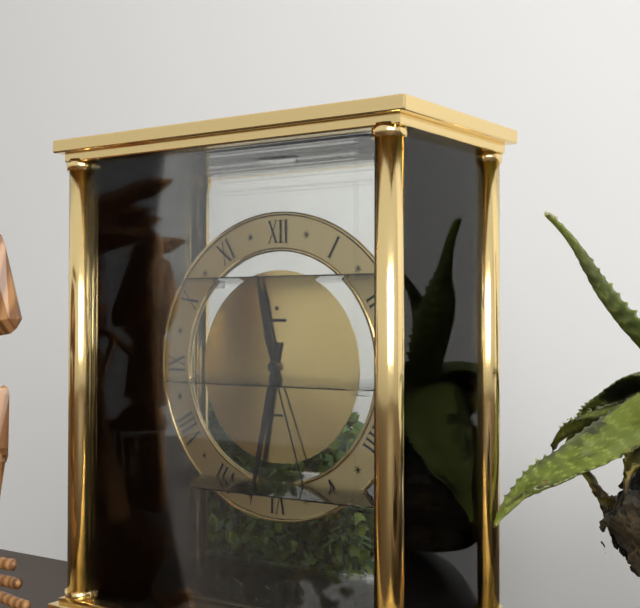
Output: **11:32:27**
